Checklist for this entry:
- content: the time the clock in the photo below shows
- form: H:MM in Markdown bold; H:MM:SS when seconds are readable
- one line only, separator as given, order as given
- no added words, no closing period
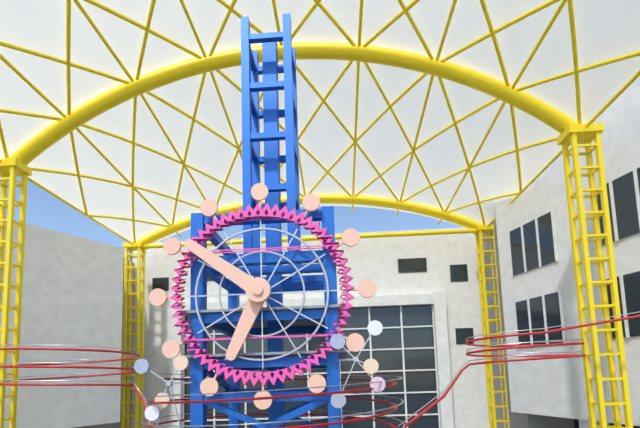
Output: **6:51**
